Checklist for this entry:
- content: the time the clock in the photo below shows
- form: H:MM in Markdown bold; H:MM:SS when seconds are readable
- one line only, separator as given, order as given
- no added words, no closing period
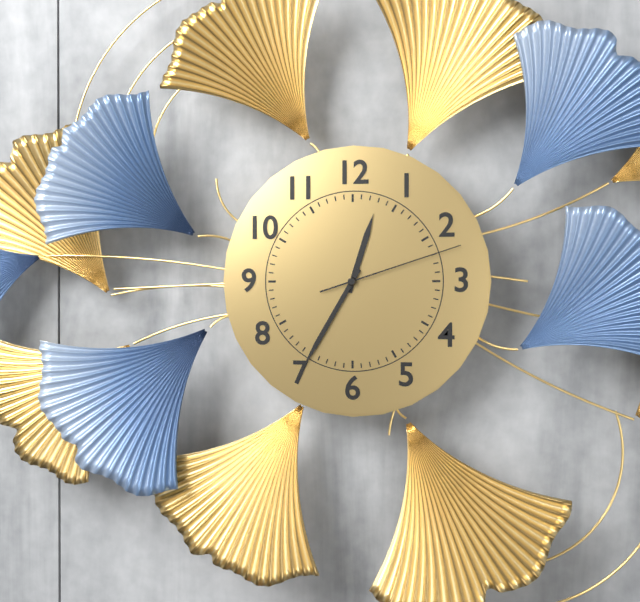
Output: **12:35:12**
